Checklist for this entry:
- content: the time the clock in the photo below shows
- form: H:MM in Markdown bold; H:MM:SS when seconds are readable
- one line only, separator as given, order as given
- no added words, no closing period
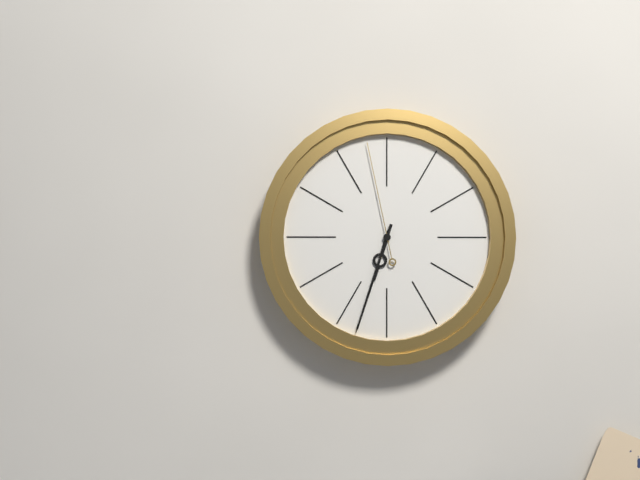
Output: **6:33:58**
